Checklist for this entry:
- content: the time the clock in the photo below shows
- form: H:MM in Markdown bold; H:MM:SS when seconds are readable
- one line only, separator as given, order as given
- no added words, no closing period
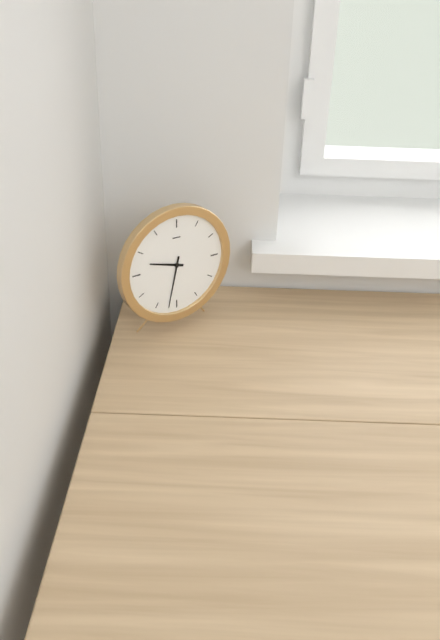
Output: **9:32**
